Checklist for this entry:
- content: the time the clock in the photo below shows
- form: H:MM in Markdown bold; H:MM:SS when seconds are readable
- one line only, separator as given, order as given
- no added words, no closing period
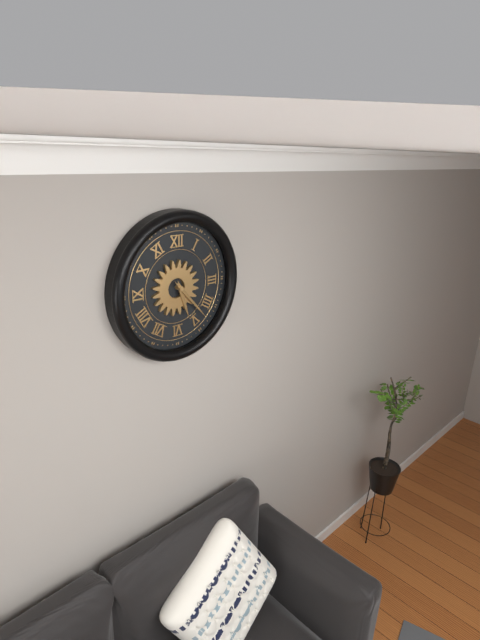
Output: **5:23**
